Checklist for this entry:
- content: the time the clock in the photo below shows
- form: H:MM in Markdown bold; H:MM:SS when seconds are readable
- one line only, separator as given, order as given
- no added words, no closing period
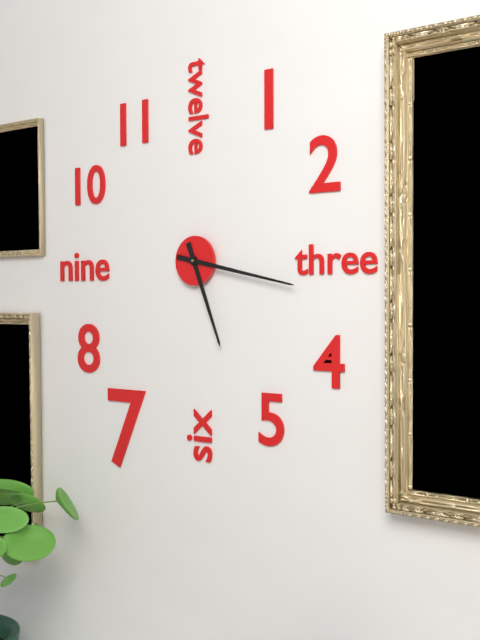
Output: **5:17**
